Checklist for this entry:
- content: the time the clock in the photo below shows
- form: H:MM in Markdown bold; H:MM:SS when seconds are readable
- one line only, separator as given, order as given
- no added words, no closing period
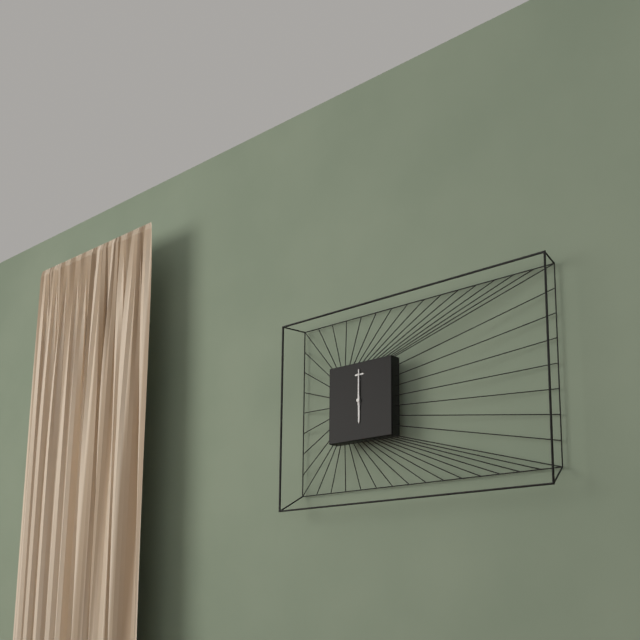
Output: **6:00**
